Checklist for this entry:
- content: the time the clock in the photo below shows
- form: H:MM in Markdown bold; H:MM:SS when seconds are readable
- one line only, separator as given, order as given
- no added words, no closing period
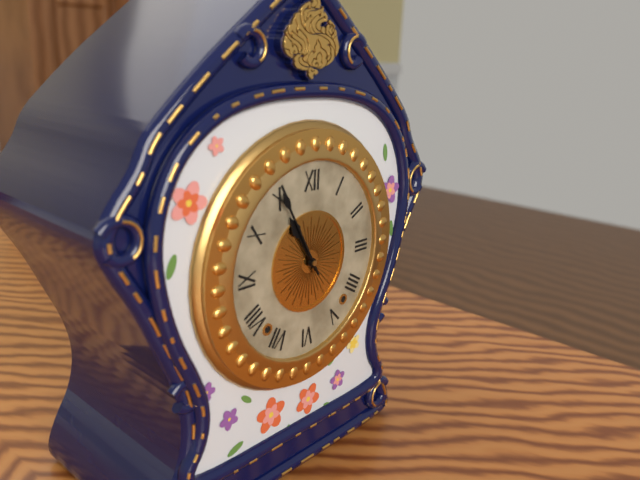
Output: **10:55**
